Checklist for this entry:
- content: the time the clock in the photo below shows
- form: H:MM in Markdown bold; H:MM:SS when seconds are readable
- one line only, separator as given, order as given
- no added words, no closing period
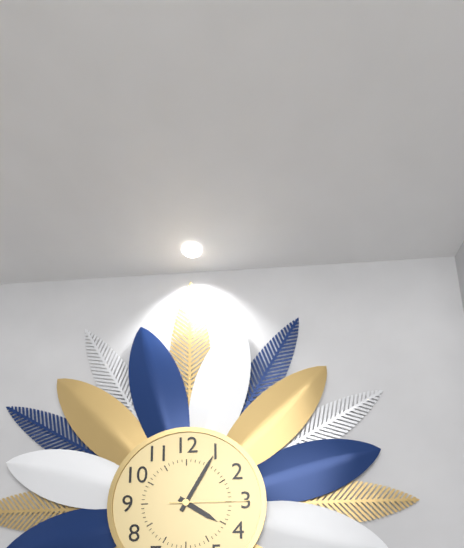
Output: **4:05:15**
